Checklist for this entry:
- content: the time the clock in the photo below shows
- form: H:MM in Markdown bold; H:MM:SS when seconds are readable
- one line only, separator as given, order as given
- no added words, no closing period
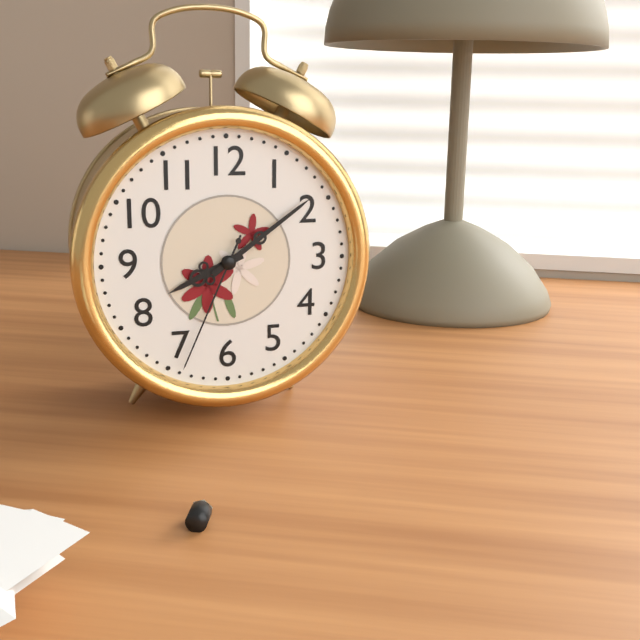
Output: **8:09:34**
